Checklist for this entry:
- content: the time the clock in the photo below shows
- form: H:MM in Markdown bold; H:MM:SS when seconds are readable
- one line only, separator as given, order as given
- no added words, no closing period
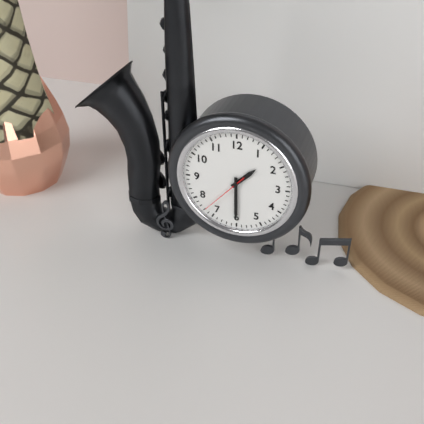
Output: **1:30**
